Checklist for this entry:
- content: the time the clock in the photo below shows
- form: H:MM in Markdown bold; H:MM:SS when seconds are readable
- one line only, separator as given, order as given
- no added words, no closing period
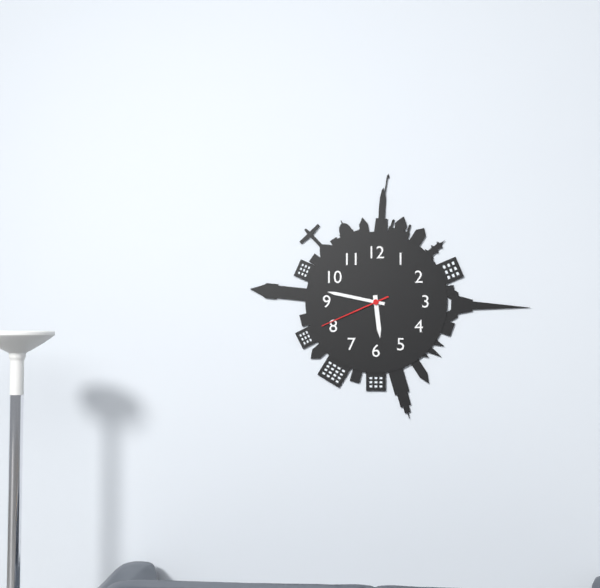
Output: **5:47:41**
